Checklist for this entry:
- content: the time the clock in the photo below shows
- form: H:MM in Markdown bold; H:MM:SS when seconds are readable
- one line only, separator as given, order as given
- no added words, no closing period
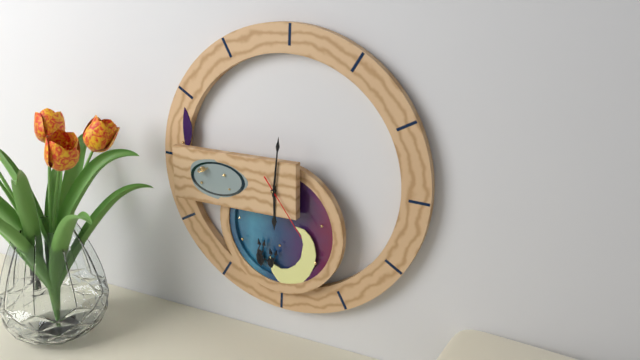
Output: **6:01:24**
